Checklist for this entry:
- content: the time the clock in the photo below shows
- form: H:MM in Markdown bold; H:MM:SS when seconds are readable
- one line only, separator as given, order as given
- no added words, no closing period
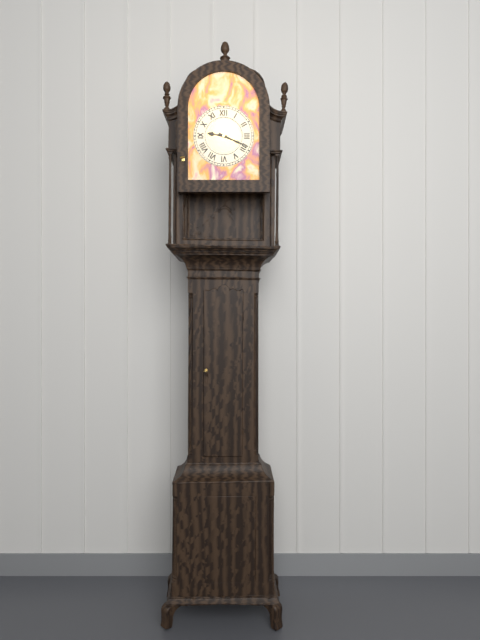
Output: **9:19**
